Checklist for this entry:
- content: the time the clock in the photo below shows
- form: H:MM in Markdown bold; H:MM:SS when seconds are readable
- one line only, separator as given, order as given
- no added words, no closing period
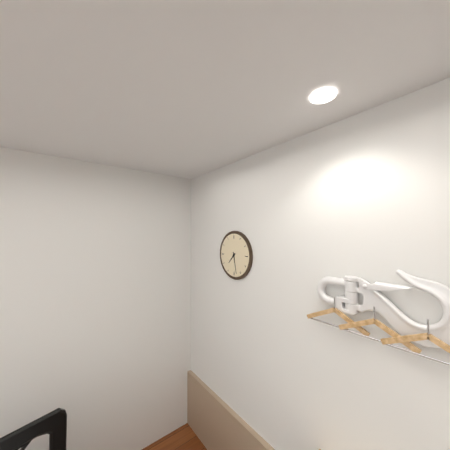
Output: **7:28**
